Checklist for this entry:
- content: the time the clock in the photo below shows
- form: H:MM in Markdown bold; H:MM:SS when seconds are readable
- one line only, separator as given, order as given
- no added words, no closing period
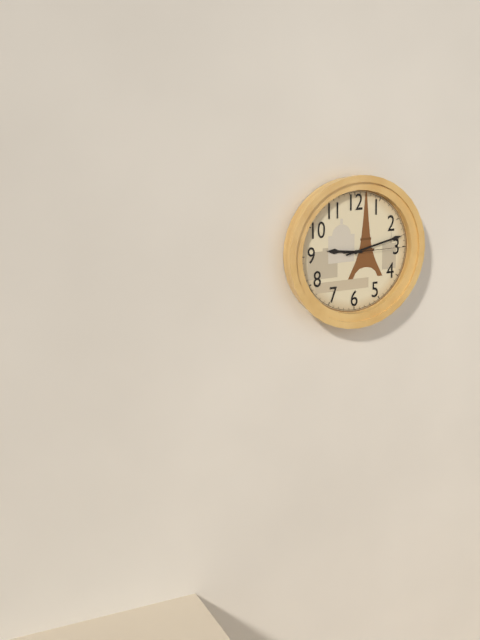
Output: **9:13:15**
